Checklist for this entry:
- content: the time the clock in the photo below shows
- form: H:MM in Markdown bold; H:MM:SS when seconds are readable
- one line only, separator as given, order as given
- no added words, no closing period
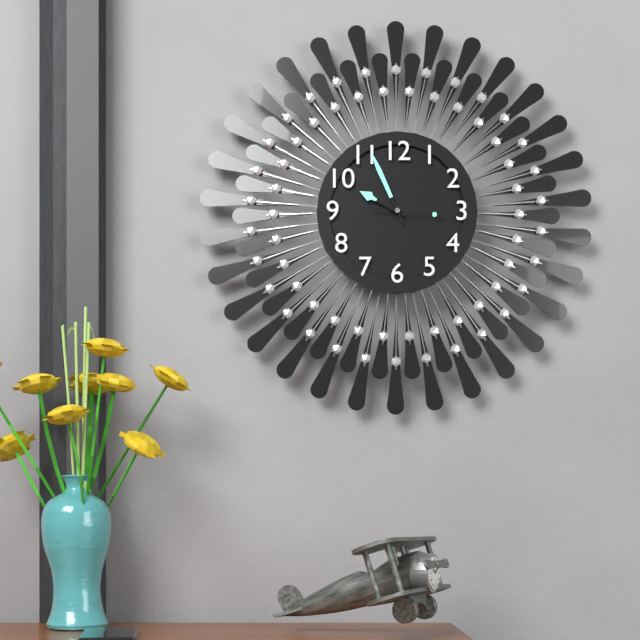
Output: **9:56:16**
